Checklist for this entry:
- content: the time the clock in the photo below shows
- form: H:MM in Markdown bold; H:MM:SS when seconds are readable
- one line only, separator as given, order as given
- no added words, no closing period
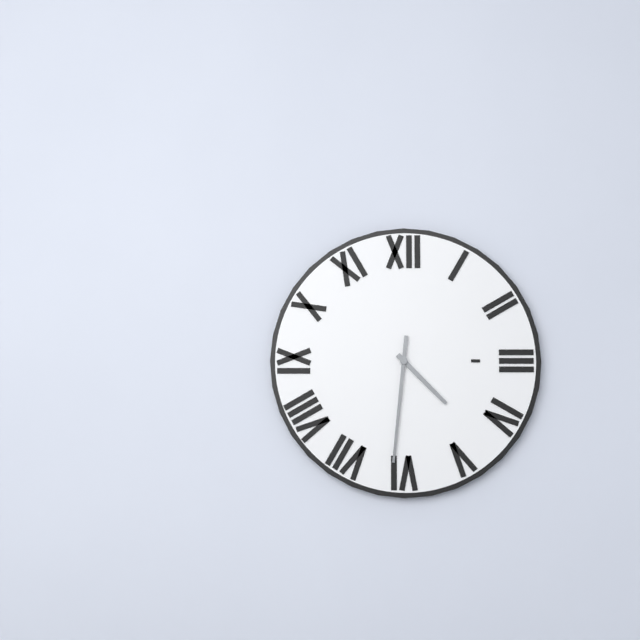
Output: **4:31**
